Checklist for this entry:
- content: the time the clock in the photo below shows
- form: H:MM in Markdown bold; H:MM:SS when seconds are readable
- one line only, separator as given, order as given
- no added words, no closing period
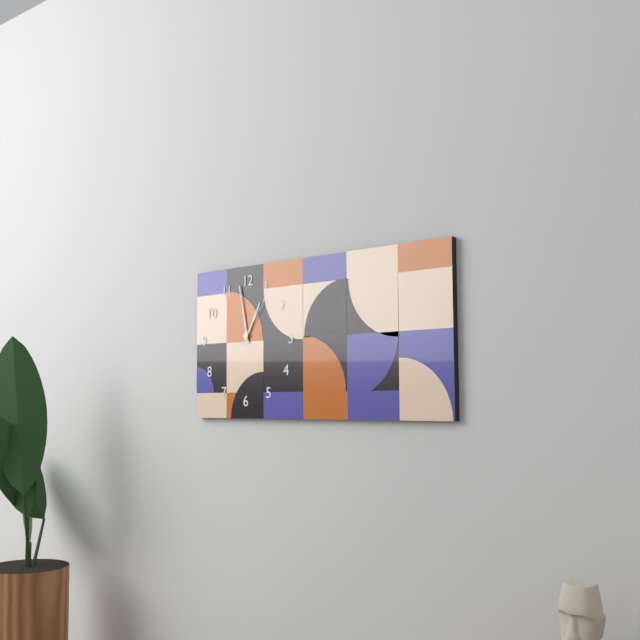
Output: **12:58:06**
